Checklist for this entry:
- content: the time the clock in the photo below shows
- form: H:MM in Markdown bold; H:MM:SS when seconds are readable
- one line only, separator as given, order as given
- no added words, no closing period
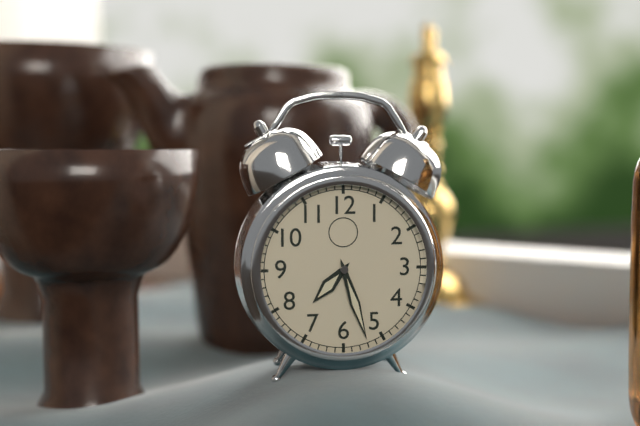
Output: **7:27**
